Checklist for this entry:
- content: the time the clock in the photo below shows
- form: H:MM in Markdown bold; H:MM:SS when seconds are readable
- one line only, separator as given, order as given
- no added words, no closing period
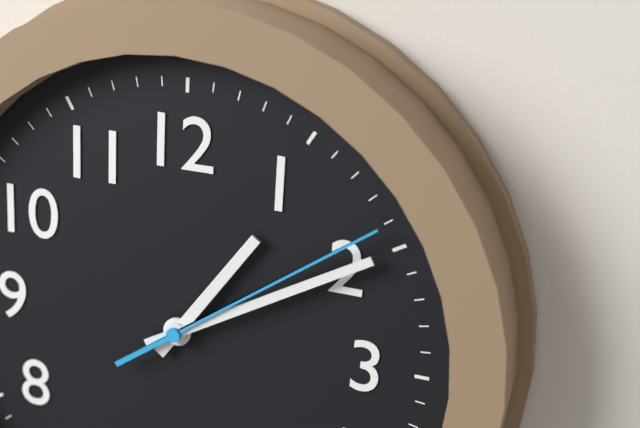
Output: **1:10:09**
